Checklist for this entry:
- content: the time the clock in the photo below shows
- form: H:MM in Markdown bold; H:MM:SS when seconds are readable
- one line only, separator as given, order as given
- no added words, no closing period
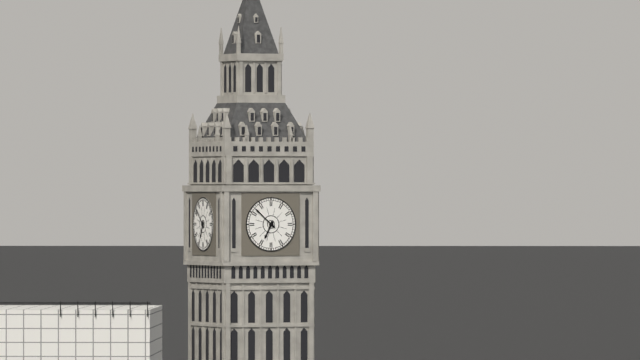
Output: **6:52**
